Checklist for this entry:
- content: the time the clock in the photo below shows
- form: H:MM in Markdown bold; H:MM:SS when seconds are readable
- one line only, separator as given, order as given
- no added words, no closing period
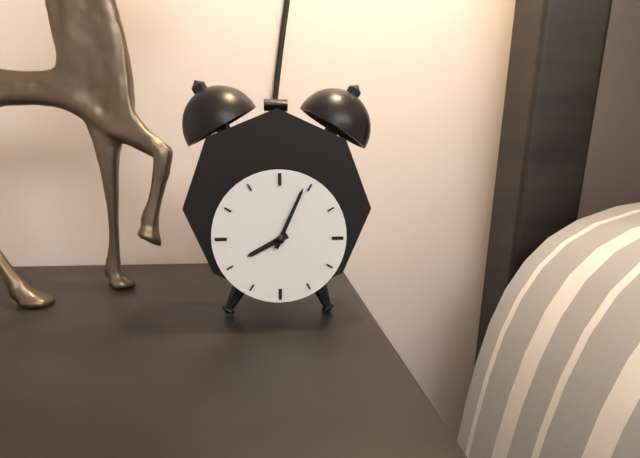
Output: **8:04**
